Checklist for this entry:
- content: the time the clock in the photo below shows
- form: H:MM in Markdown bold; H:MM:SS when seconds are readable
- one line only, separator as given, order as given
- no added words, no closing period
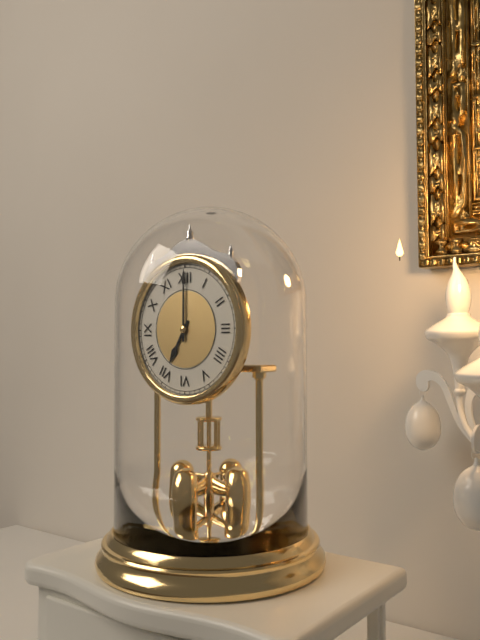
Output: **7:00**
